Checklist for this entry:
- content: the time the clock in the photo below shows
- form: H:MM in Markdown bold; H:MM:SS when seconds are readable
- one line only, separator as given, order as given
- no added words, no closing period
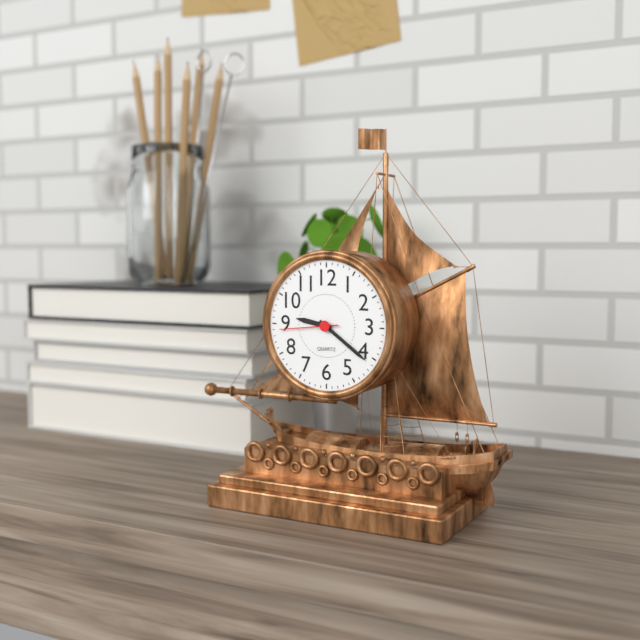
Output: **9:21:44**
